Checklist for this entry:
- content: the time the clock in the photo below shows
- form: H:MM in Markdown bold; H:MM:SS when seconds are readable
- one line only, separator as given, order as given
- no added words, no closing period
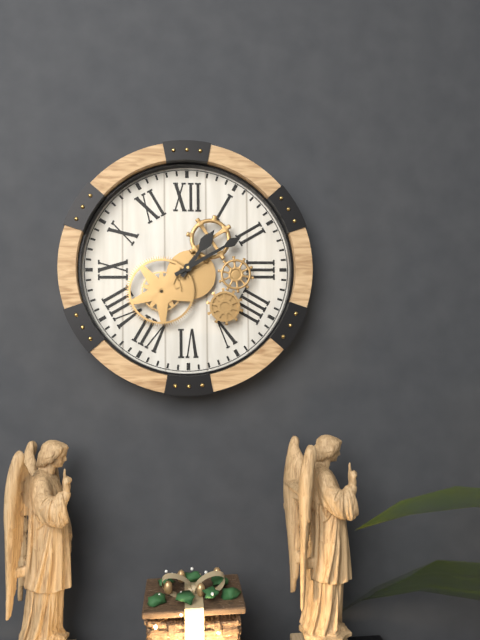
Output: **1:10**
